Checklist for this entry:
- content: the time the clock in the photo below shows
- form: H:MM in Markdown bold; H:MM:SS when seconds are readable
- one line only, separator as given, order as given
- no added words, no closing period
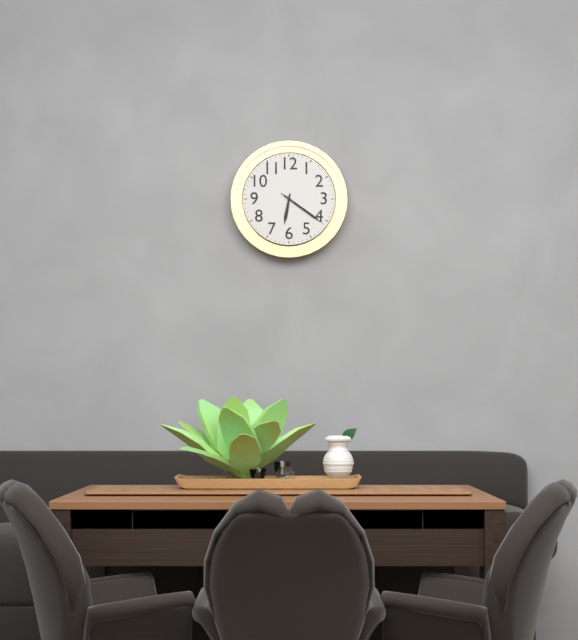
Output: **6:21:21**
